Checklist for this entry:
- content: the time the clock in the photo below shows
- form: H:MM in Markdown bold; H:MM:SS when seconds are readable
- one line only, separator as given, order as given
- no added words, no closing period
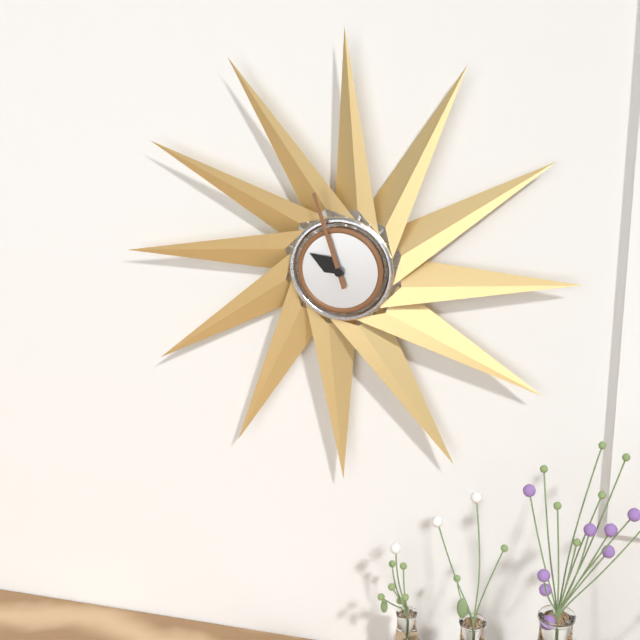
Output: **9:57**
